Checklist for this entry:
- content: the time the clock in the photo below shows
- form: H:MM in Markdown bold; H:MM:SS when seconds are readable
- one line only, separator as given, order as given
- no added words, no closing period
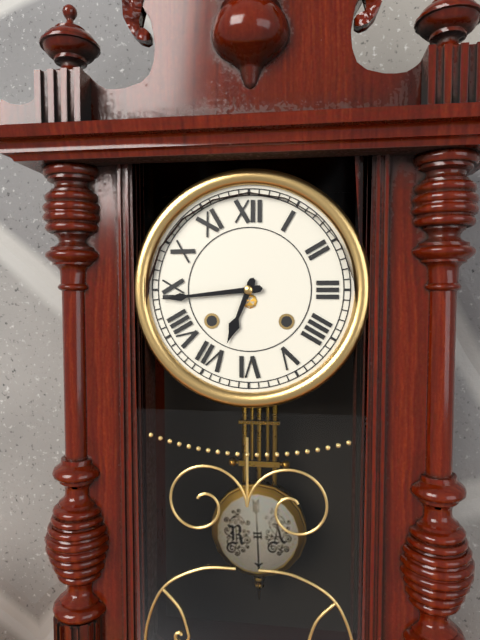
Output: **6:44**
